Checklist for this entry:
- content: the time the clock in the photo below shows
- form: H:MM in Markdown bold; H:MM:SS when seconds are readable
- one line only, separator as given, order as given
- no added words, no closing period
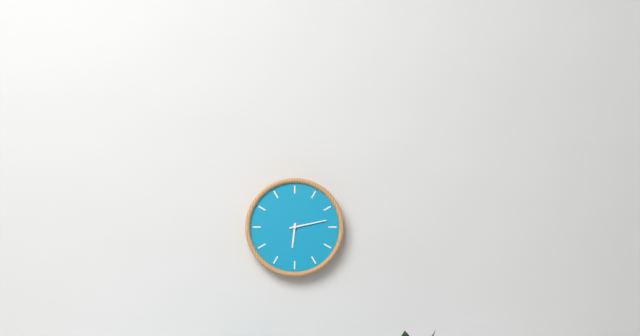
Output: **6:13**
